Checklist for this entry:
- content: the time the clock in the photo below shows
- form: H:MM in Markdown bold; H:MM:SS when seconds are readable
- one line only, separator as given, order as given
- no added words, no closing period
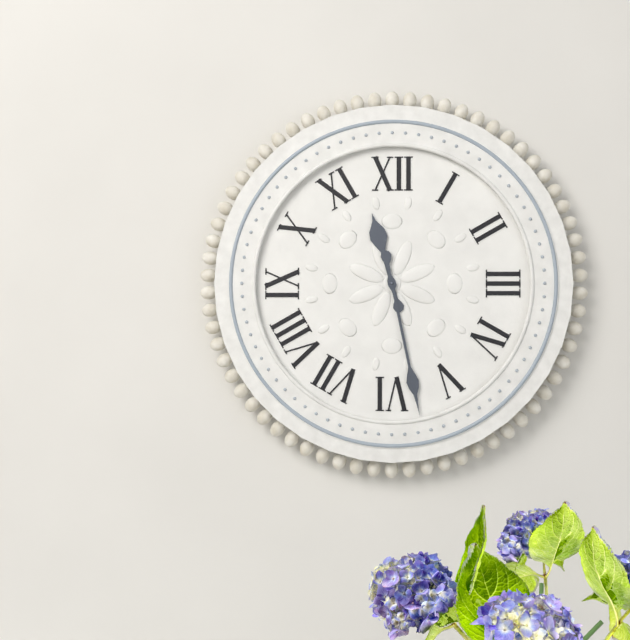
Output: **11:28**
